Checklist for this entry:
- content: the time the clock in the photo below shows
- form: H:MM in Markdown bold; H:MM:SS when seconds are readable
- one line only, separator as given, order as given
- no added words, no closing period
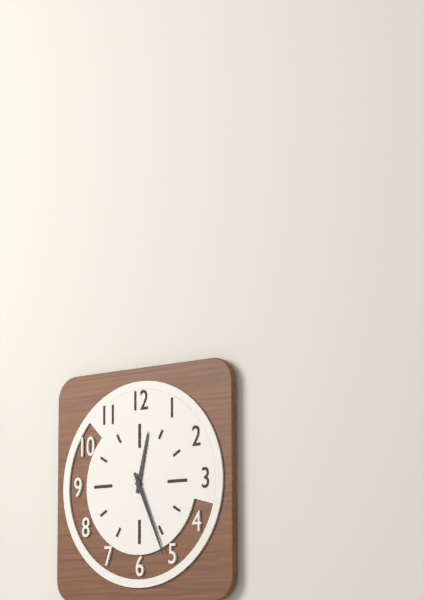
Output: **12:26**
